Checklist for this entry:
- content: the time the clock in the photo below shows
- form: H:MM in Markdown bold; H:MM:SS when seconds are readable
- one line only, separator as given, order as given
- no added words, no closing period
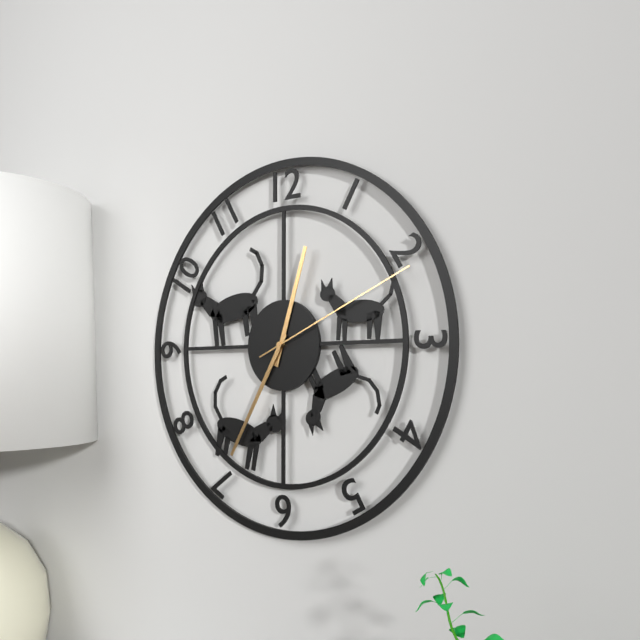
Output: **12:35:11**
